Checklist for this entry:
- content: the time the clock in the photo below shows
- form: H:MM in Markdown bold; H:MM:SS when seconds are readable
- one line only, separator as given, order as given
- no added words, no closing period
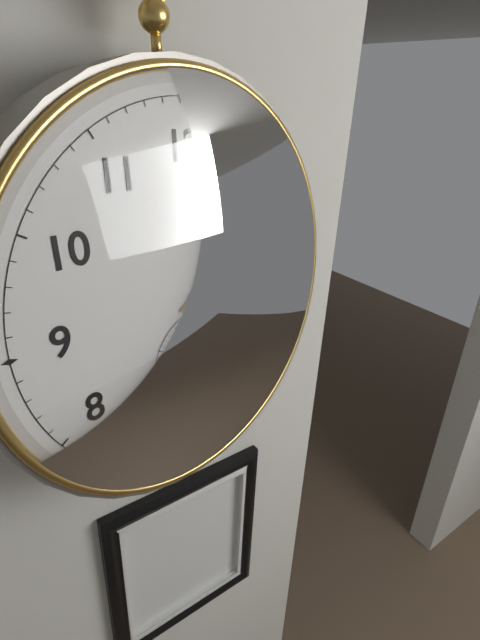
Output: **2:04**
